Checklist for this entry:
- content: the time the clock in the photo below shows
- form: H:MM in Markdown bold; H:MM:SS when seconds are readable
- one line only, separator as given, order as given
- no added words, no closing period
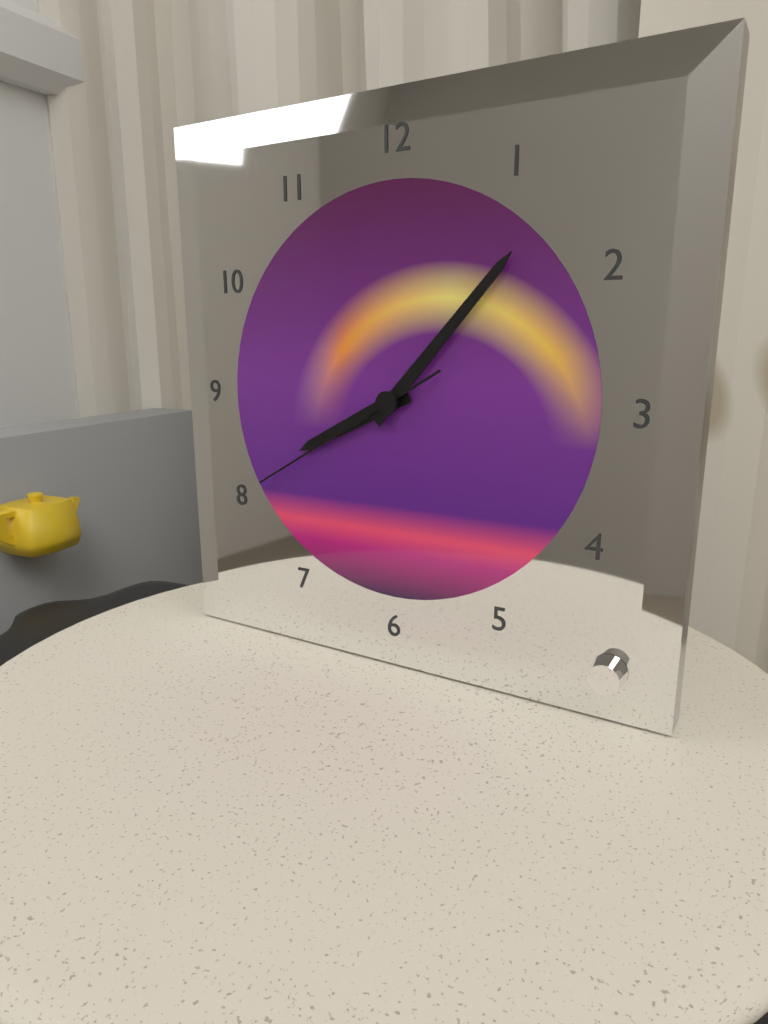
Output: **8:07:40**
